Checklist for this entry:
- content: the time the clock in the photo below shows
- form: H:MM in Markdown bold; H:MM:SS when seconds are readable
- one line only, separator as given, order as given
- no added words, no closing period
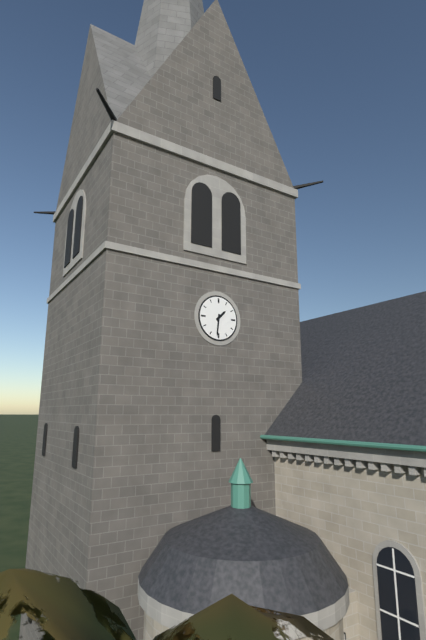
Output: **1:31**
